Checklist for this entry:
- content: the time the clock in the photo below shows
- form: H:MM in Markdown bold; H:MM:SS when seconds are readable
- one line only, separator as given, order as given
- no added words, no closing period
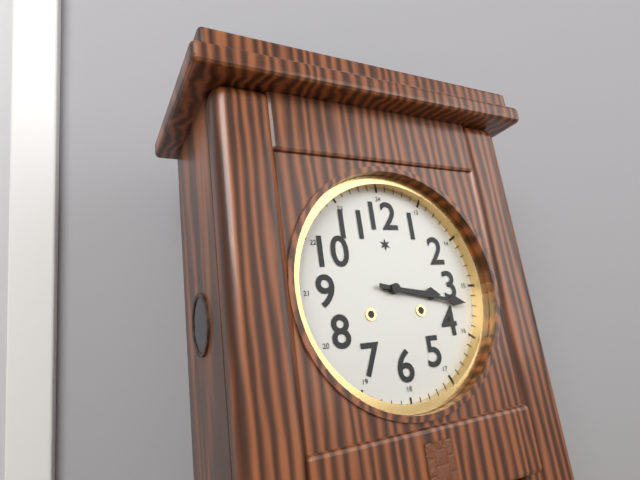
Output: **3:17**
